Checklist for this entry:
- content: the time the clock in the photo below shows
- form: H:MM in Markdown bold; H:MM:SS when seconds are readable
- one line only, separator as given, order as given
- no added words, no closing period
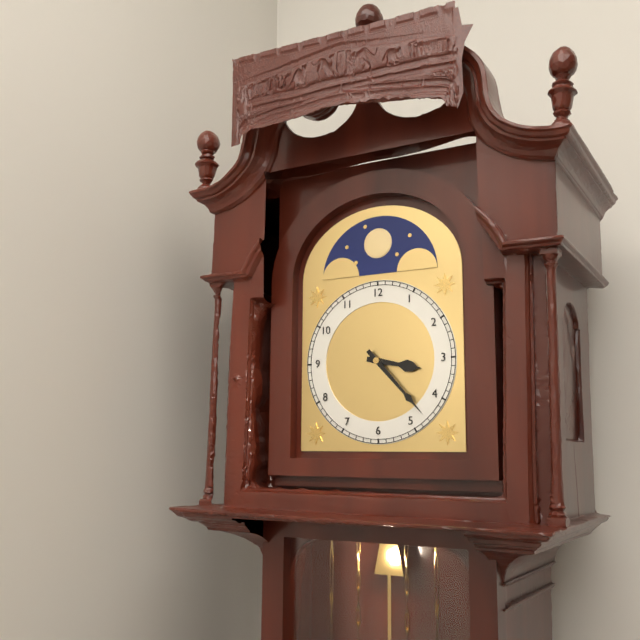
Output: **3:23**
